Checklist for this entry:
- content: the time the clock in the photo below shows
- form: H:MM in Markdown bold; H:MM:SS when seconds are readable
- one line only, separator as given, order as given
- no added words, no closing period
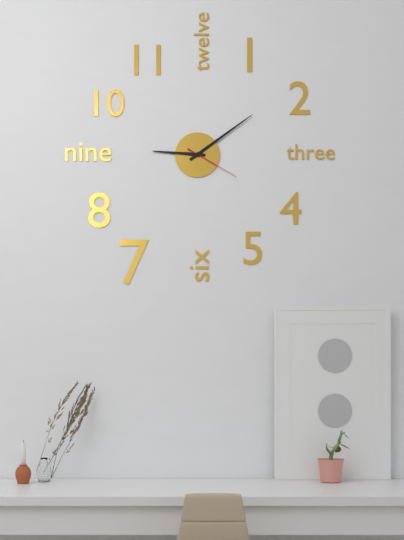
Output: **9:09:20**
